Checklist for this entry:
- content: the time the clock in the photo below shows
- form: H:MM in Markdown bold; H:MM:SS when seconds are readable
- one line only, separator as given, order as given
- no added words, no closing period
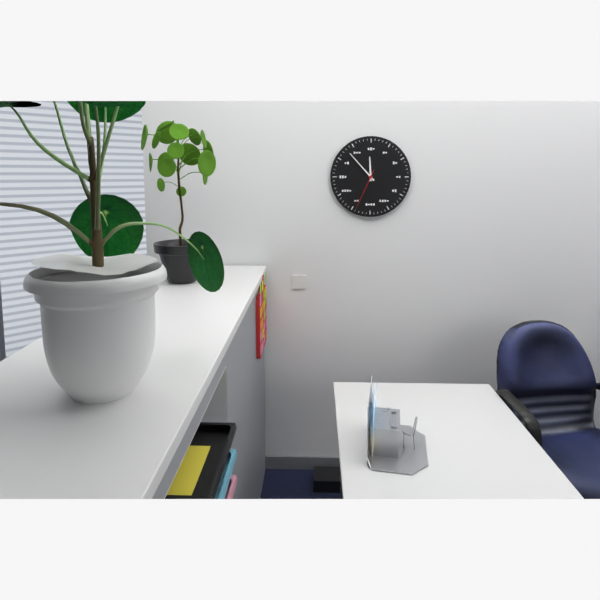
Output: **11:53**
